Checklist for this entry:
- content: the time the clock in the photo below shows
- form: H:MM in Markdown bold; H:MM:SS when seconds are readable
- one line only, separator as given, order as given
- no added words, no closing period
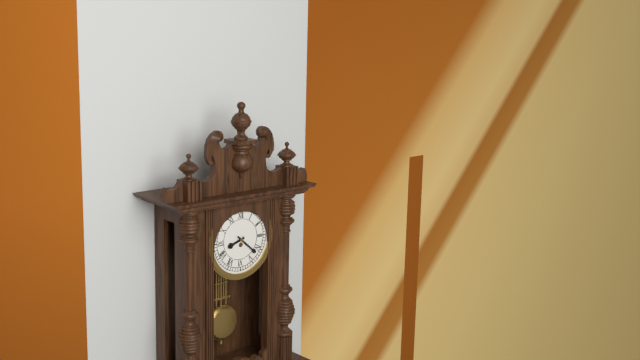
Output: **8:22**
